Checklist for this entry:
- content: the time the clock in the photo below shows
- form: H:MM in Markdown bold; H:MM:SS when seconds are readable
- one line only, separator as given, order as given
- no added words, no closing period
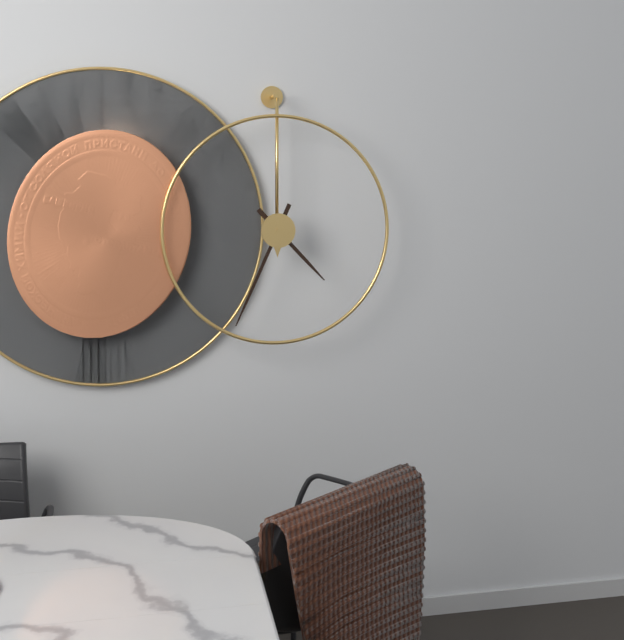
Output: **4:34**
